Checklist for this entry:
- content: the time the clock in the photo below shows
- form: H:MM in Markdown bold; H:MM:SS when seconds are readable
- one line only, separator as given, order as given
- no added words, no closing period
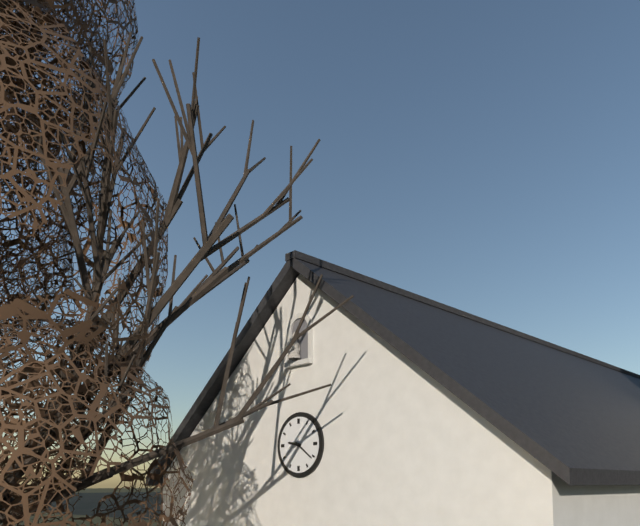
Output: **9:21**
